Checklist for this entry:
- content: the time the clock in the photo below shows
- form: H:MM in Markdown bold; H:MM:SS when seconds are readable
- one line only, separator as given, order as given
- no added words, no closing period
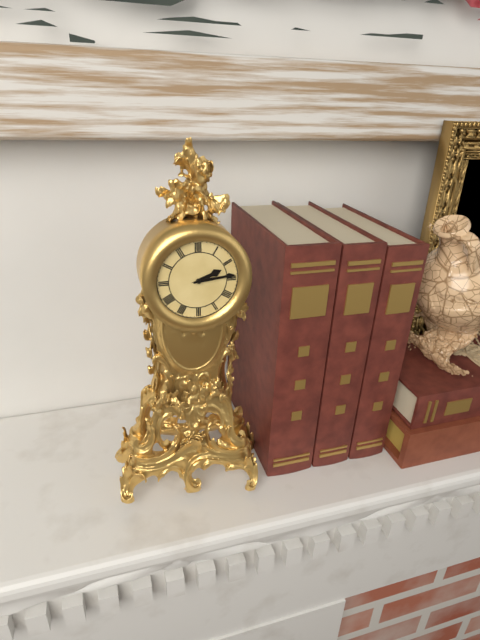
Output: **2:14**
